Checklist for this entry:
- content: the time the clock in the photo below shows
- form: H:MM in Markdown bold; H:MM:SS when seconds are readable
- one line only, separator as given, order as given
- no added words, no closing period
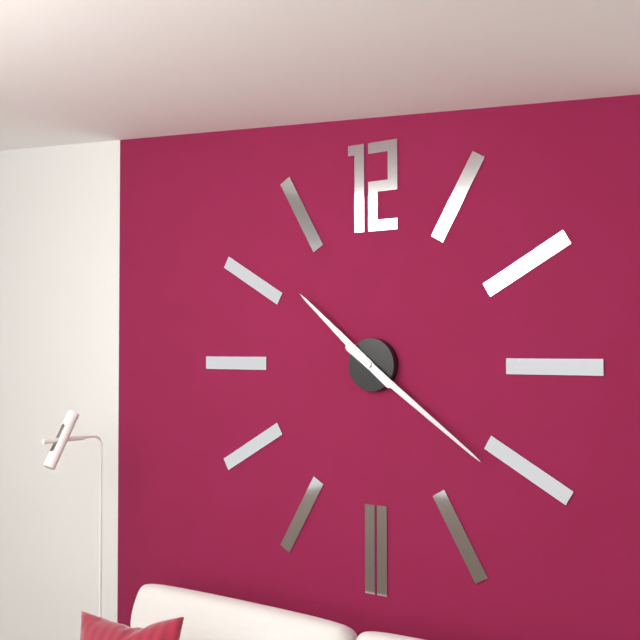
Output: **10:21**
